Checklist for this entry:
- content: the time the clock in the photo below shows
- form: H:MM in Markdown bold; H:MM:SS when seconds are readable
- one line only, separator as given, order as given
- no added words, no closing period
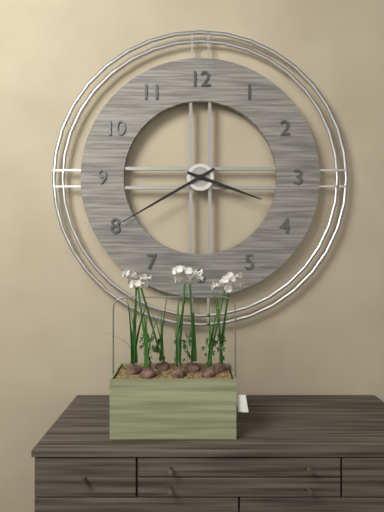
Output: **3:40**
